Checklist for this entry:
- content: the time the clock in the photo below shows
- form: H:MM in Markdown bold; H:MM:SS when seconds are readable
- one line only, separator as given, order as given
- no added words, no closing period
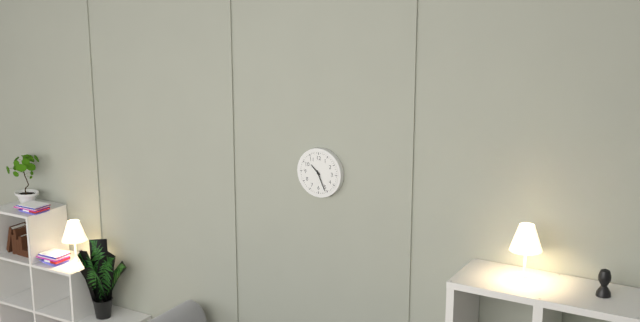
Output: **10:26**
